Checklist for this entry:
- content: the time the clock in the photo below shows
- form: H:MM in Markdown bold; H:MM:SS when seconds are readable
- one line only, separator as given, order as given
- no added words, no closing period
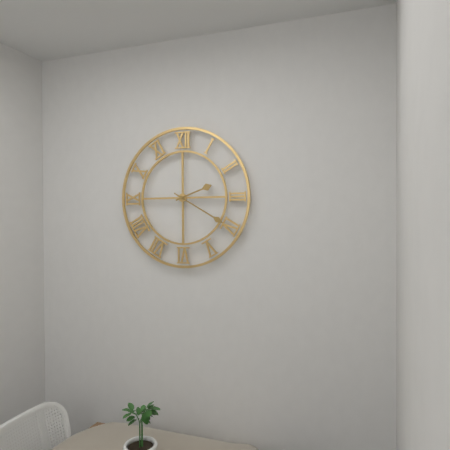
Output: **2:20**
